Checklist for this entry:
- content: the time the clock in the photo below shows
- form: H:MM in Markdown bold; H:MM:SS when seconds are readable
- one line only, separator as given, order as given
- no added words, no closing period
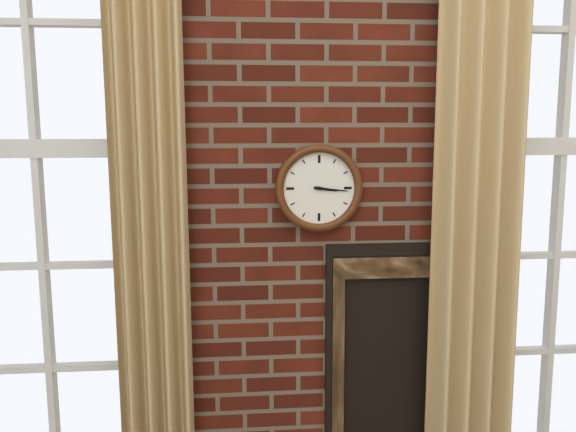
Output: **3:16**
